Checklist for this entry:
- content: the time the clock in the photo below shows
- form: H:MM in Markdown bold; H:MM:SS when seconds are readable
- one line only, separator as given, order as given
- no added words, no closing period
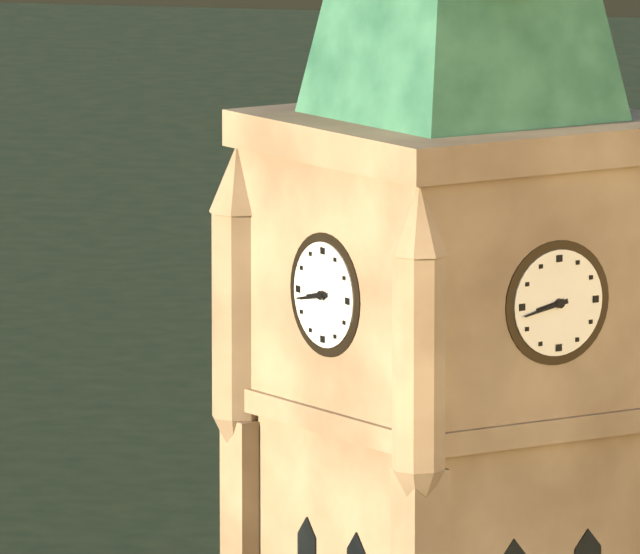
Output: **8:43**
